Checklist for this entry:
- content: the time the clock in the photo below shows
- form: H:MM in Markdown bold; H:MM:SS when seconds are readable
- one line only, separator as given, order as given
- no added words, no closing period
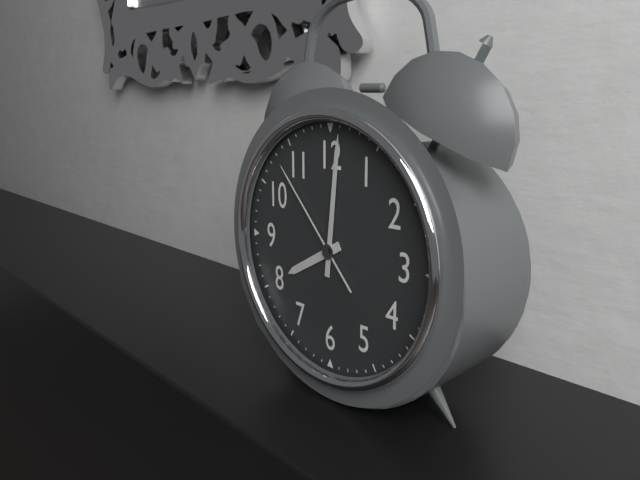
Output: **8:01:53**
